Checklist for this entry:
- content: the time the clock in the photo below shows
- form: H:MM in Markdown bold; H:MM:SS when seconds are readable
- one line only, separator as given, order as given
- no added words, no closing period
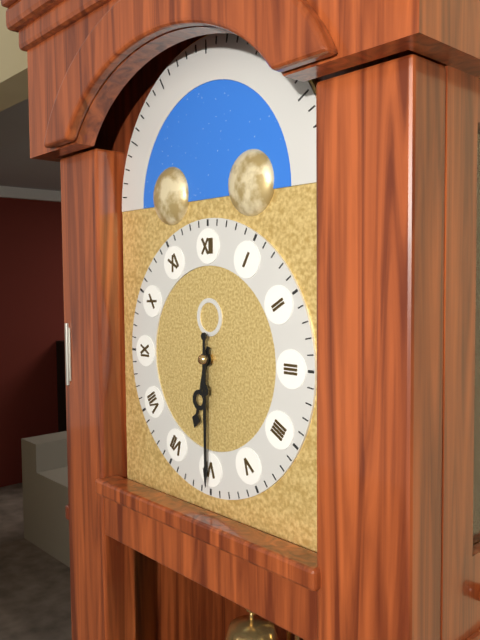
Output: **6:30**
